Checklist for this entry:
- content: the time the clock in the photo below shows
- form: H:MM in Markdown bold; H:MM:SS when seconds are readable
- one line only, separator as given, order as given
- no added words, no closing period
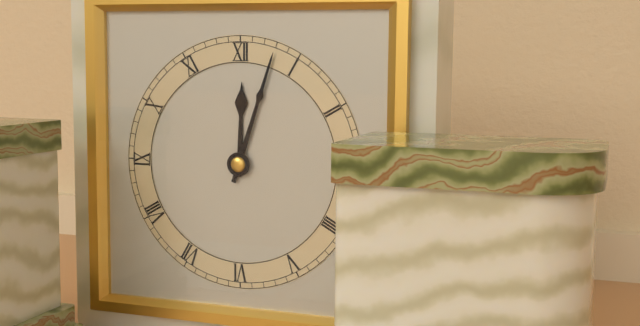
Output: **12:03**
